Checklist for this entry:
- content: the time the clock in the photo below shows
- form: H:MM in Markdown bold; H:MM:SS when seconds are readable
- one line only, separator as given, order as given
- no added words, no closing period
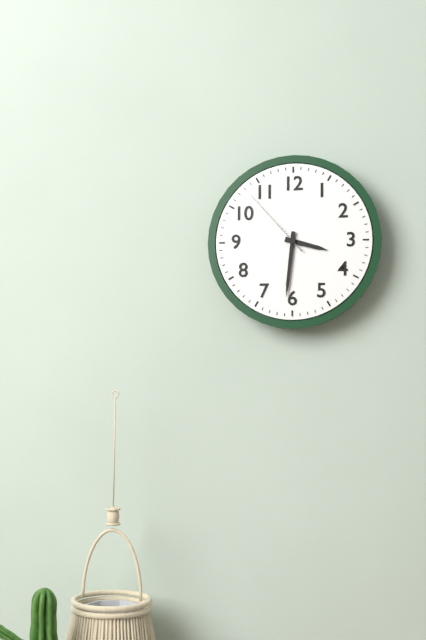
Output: **3:31:53**
